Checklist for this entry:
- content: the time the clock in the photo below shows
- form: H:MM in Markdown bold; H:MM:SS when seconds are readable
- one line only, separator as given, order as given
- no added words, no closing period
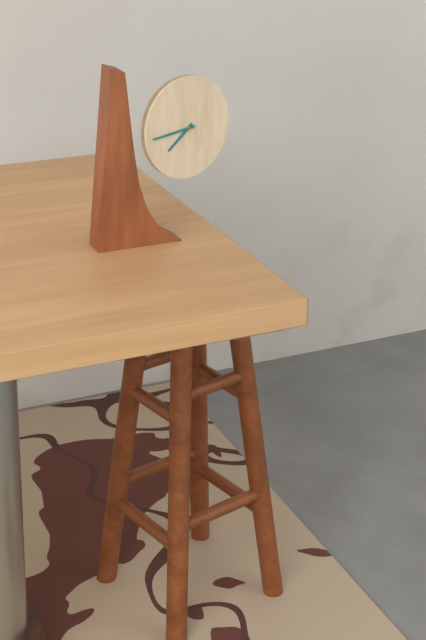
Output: **7:44**
